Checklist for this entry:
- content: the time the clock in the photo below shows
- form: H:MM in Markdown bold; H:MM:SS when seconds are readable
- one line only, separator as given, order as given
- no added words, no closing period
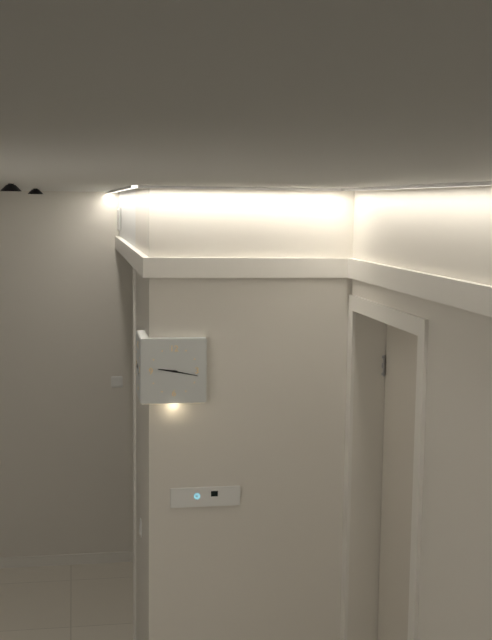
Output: **9:17**
